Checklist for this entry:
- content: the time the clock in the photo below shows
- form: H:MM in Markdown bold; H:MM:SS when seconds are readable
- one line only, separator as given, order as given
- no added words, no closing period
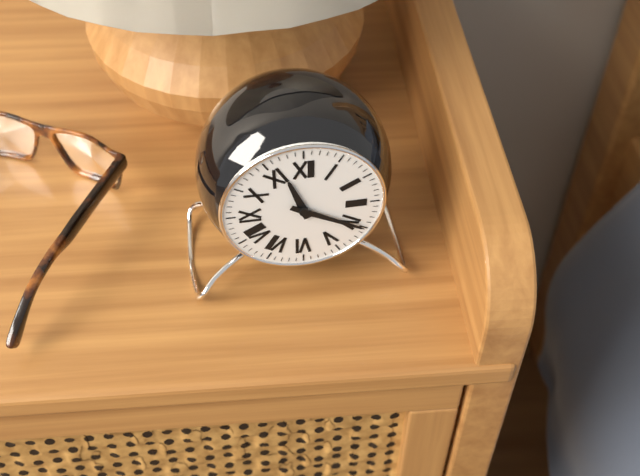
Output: **11:20**
